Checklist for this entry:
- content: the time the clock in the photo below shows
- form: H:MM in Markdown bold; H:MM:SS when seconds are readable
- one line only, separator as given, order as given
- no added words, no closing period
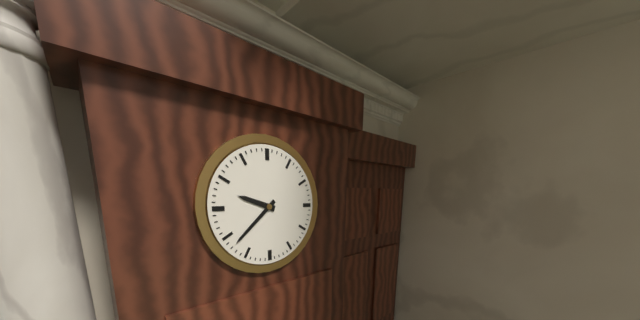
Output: **9:38**
